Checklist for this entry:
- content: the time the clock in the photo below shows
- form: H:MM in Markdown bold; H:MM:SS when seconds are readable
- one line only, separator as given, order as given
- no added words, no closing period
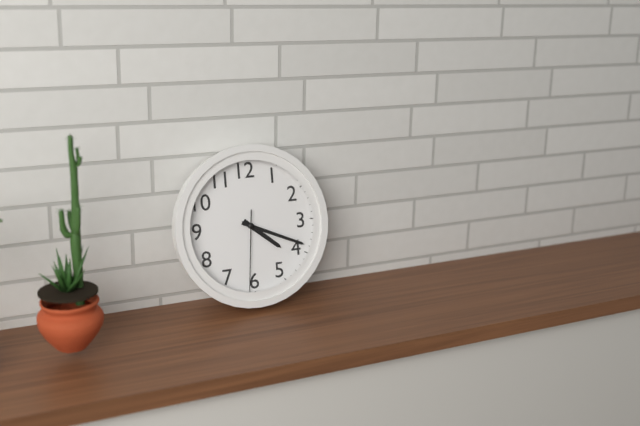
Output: **4:19:31**
